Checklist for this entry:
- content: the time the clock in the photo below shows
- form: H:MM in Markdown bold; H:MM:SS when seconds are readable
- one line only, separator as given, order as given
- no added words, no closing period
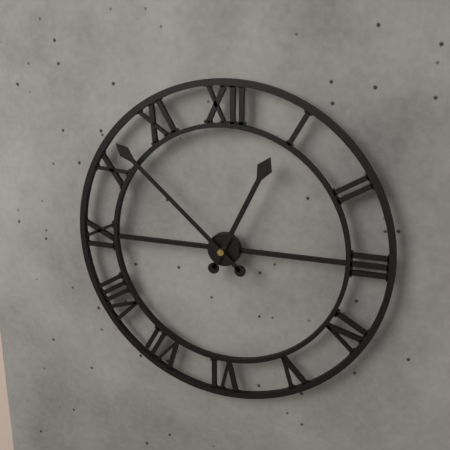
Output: **12:52**
